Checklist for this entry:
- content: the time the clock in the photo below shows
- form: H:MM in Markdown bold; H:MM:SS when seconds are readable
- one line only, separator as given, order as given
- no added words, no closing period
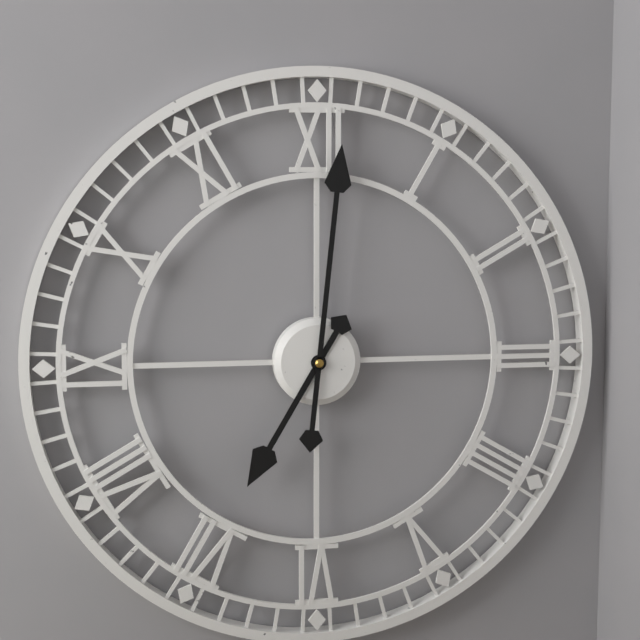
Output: **7:01**
